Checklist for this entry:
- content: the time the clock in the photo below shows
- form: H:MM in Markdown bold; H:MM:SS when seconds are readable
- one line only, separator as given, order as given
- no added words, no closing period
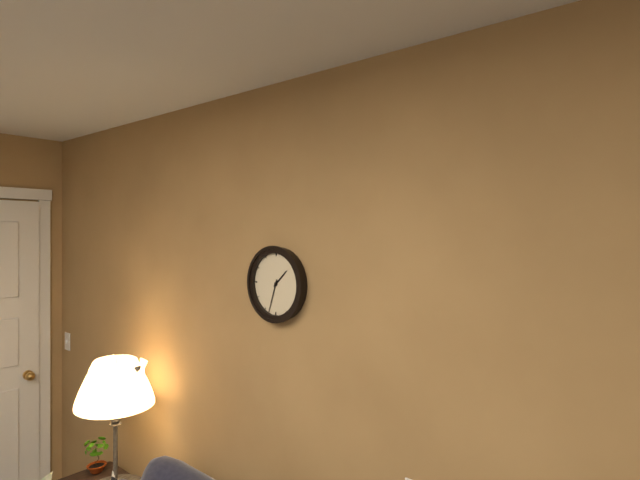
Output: **1:33**
